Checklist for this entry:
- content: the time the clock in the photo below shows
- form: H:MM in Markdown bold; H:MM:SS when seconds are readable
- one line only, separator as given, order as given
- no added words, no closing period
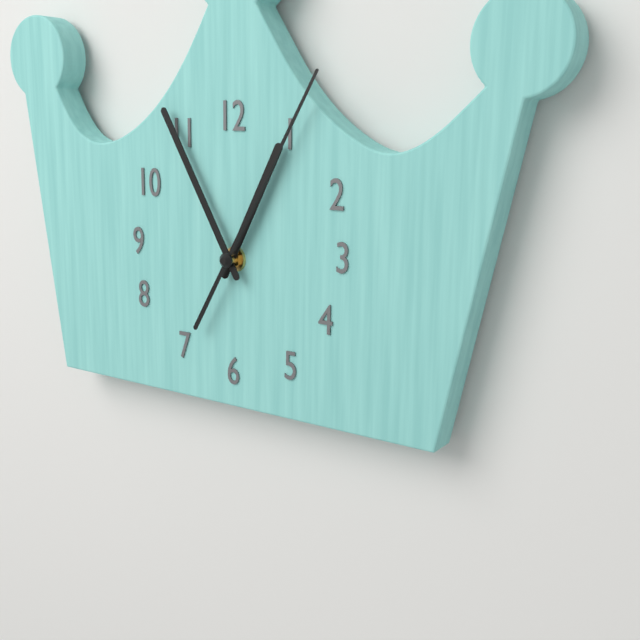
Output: **12:55:05**
